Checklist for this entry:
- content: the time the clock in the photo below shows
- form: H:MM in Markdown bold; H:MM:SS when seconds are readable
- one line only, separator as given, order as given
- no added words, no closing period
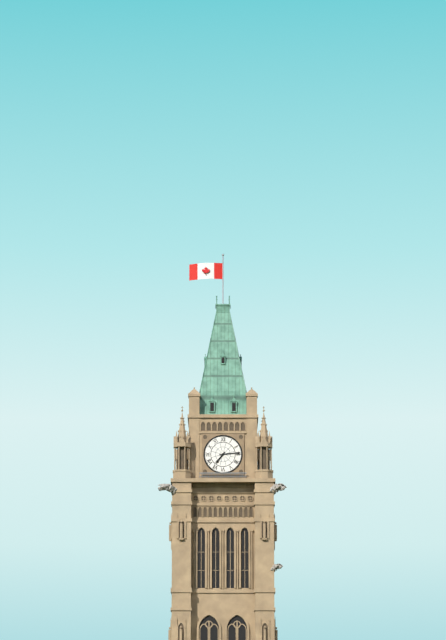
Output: **7:14**
